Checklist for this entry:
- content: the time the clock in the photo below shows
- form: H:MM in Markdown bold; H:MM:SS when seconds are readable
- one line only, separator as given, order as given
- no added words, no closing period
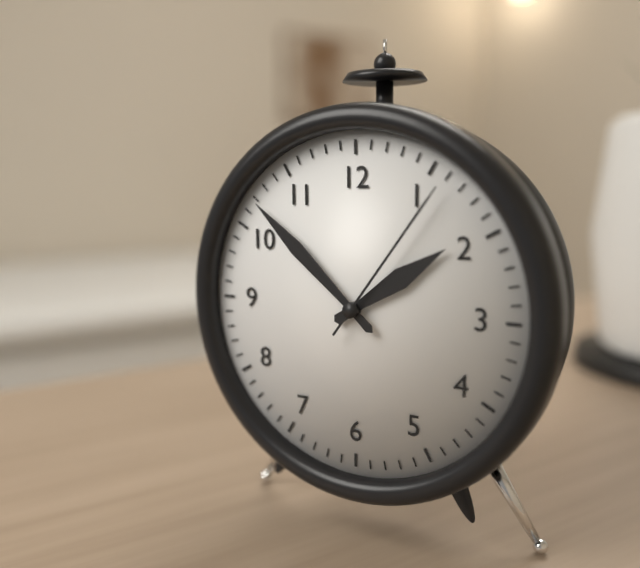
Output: **1:52:06**
